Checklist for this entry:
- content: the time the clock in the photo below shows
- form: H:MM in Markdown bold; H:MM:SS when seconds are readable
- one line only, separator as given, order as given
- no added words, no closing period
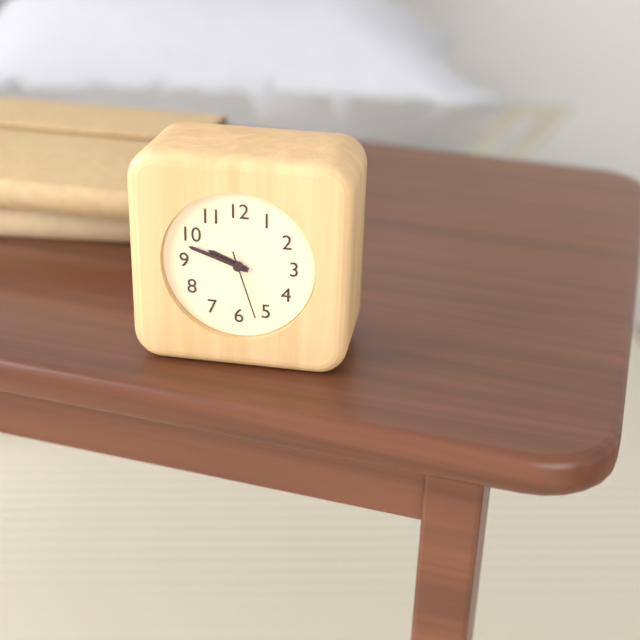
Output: **9:48:27**
